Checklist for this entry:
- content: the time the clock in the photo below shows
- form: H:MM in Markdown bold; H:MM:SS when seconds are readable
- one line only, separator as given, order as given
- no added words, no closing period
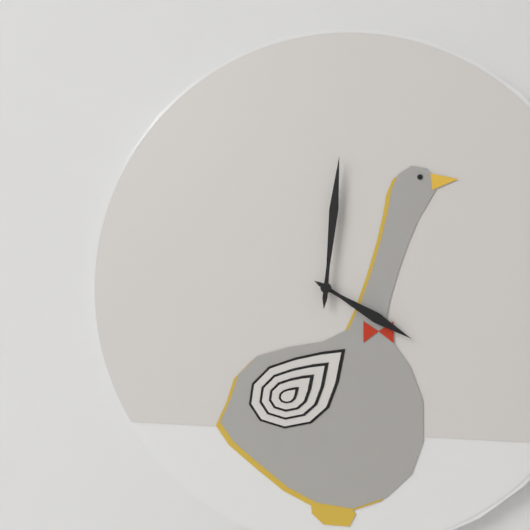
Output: **4:01**
